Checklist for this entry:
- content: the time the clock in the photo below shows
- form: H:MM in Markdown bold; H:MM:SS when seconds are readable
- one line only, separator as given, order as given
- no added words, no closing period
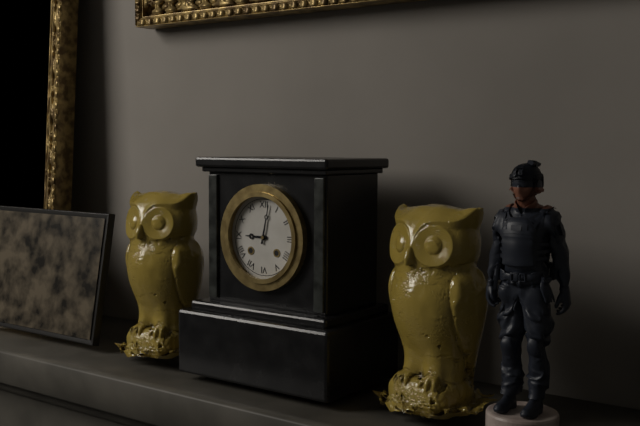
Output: **9:02**
